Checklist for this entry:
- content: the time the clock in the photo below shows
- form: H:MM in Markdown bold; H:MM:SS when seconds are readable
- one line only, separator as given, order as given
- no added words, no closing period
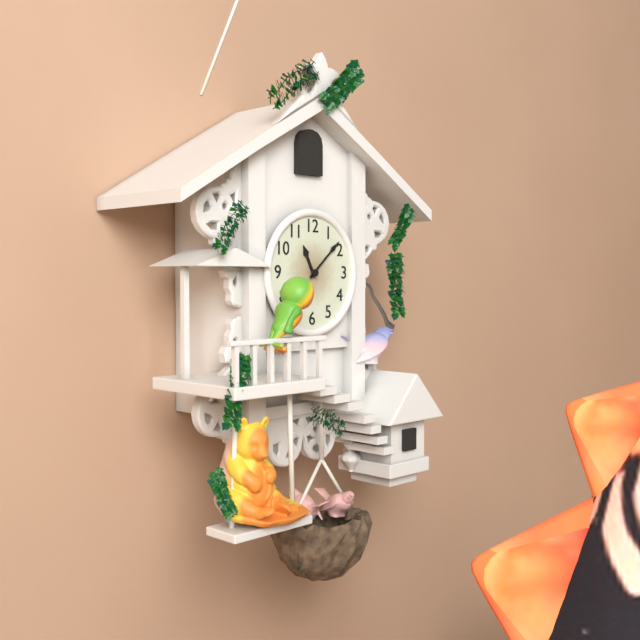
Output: **11:08**
